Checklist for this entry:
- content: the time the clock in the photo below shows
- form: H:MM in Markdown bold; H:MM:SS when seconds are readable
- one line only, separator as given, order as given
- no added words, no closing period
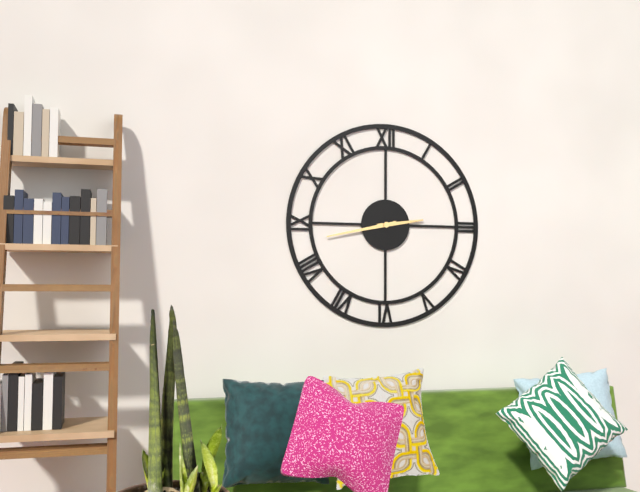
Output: **2:43**
